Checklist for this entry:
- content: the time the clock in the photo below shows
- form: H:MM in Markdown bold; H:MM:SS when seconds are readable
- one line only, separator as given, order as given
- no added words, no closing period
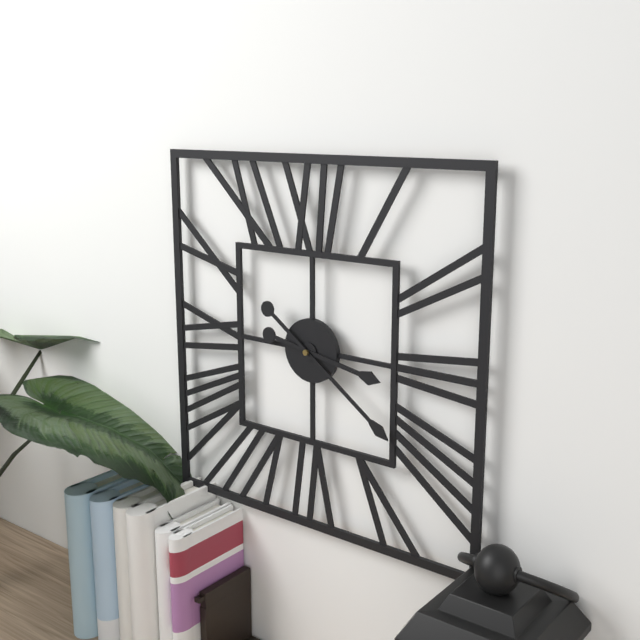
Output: **3:21**
